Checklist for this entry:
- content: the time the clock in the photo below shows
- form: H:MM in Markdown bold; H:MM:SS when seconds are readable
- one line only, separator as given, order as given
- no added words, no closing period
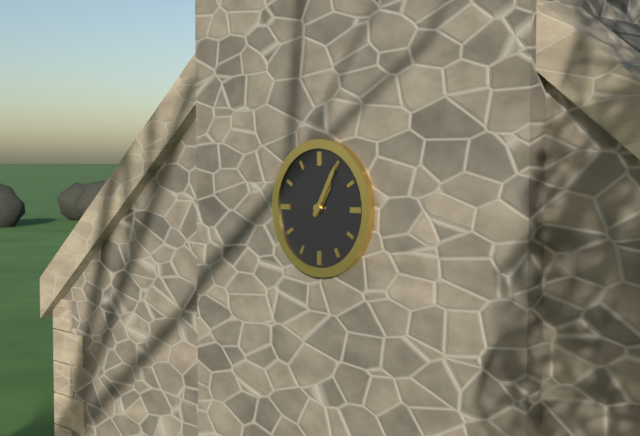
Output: **1:05**
